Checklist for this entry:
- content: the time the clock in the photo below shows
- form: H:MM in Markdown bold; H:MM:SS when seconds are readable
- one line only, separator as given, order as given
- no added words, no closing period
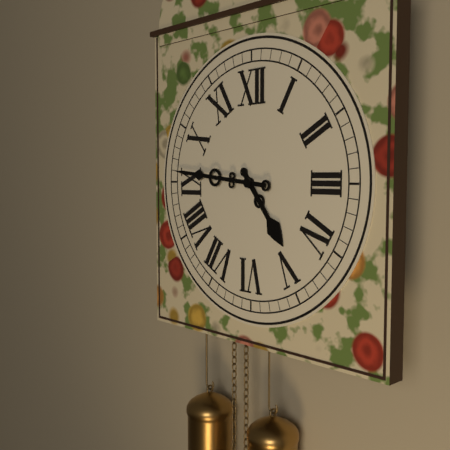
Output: **4:46**
